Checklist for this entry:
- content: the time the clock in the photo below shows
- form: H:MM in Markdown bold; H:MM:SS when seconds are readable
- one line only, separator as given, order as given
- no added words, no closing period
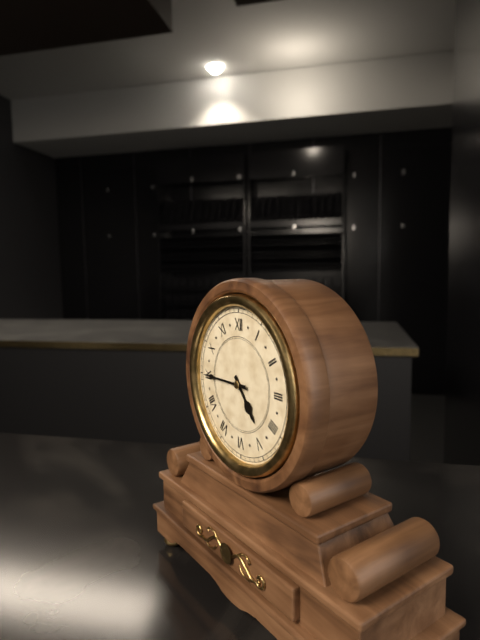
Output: **4:45**
